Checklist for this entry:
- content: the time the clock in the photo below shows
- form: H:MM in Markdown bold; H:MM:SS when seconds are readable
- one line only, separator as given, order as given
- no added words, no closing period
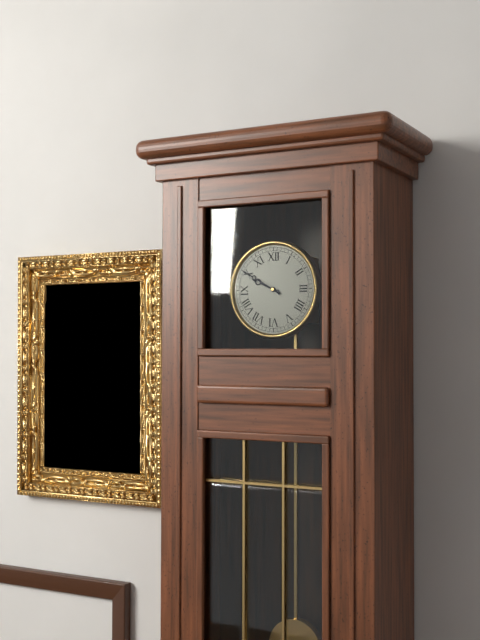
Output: **9:50**
